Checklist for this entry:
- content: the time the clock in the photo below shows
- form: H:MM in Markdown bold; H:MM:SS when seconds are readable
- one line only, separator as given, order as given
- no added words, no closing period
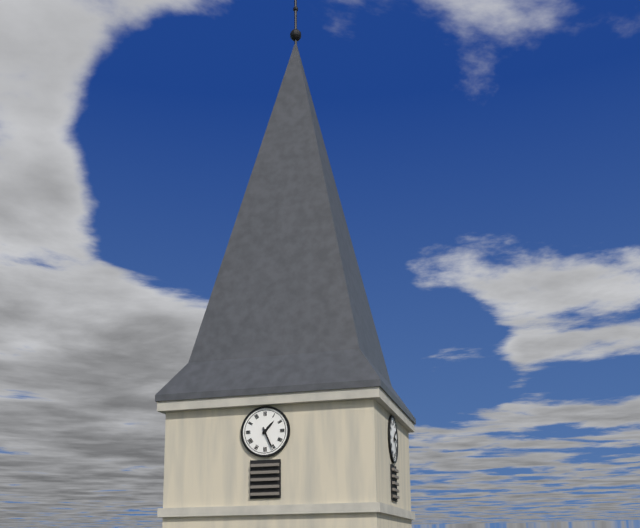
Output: **1:26**
